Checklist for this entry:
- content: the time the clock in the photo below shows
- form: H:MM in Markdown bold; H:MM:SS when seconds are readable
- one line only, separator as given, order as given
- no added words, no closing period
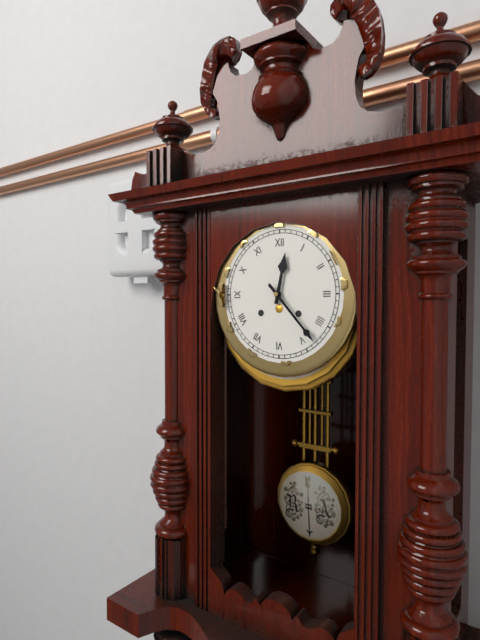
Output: **12:23**
